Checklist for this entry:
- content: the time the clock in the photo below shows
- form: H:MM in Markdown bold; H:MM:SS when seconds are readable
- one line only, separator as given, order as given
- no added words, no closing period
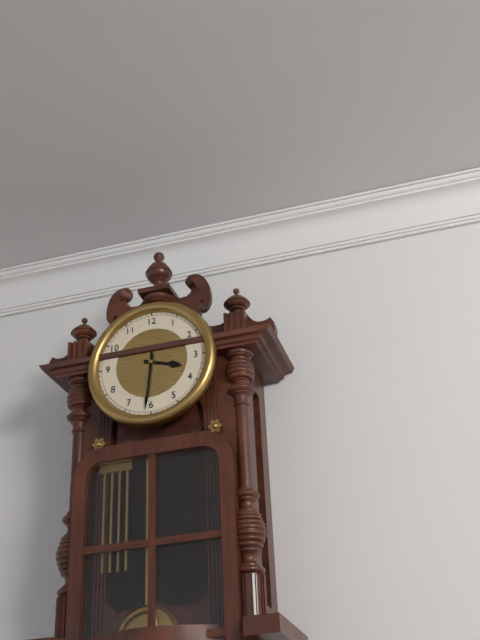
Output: **3:31**
